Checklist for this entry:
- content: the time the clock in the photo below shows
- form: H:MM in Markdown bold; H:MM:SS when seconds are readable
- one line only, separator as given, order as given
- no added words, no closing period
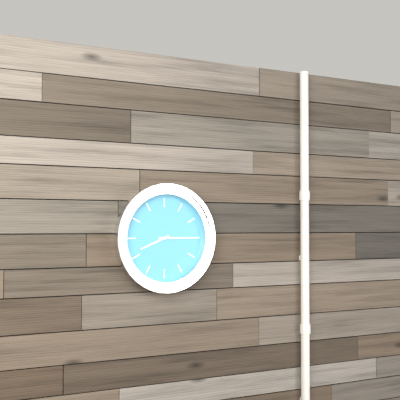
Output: **8:15**
